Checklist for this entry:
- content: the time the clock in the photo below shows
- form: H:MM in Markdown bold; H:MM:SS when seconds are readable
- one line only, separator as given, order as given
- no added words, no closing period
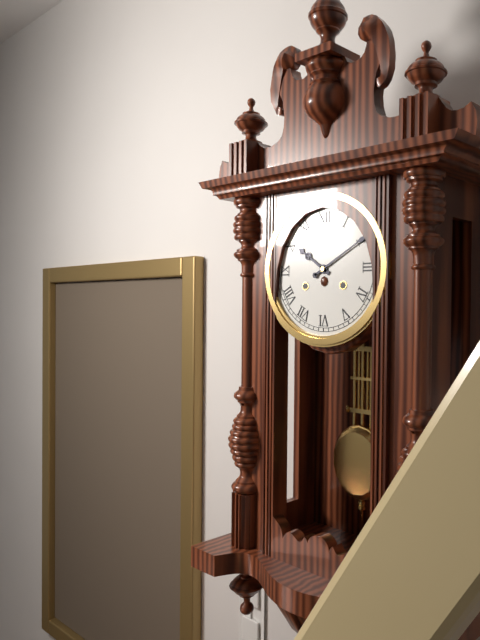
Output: **10:10**
